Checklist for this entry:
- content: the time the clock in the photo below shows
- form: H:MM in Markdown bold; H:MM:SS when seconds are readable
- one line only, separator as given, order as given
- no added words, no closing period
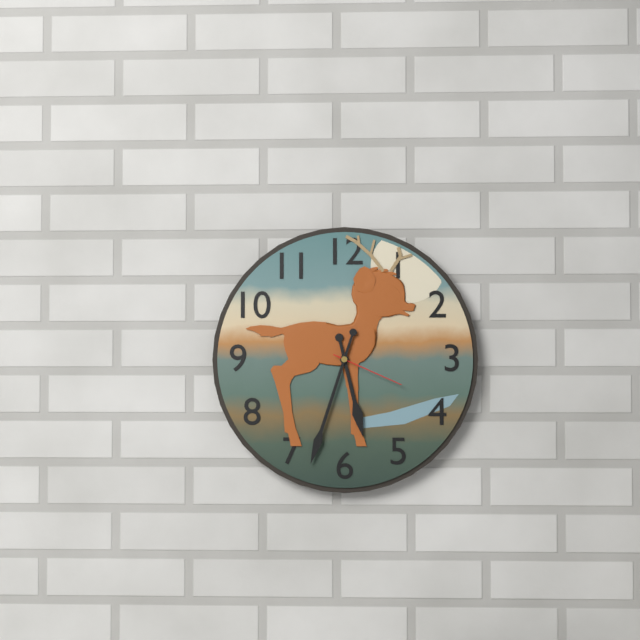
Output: **5:33:19**
